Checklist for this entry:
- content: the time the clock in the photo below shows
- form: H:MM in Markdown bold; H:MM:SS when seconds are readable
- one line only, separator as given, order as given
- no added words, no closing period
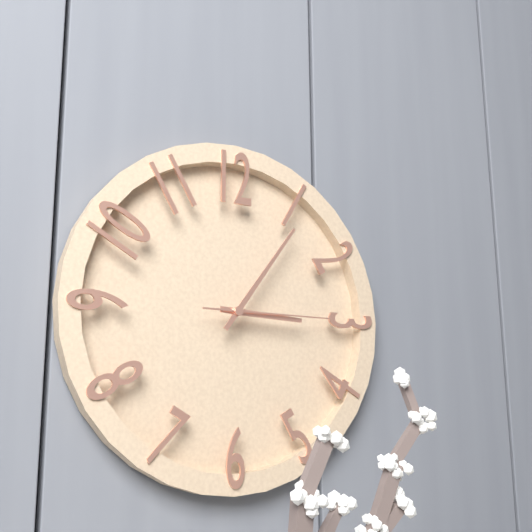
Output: **3:06:15**
